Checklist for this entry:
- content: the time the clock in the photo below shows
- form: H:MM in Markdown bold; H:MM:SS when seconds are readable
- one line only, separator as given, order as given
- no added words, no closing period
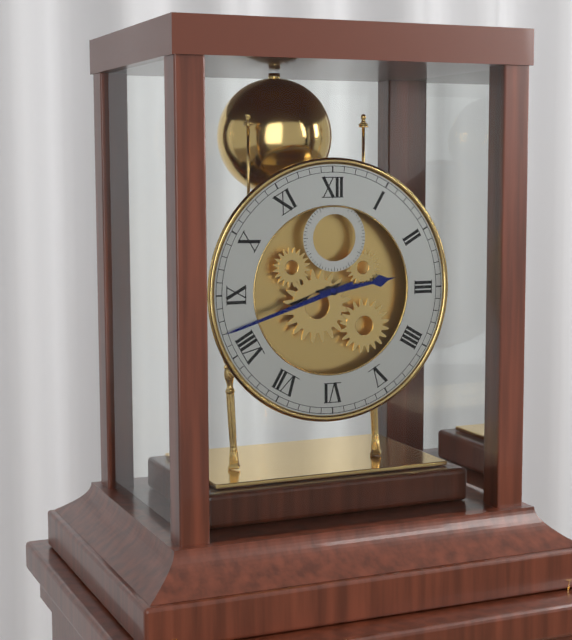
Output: **2:42**
